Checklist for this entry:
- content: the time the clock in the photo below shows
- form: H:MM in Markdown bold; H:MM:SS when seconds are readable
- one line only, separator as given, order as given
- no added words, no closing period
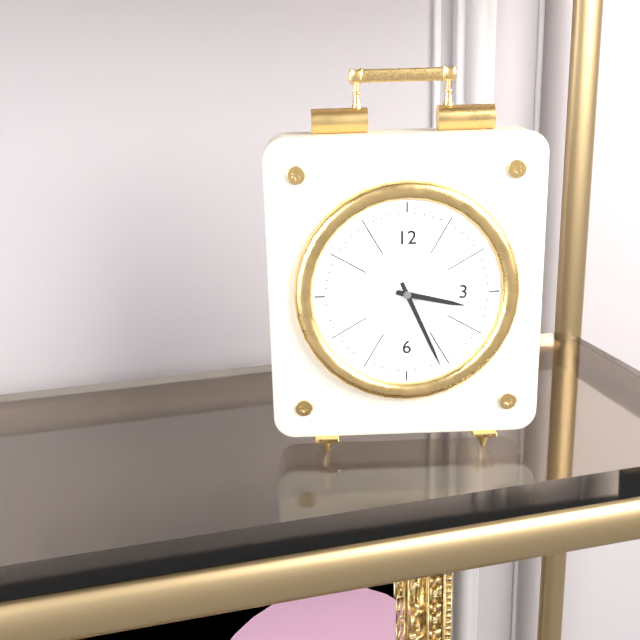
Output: **3:26**
